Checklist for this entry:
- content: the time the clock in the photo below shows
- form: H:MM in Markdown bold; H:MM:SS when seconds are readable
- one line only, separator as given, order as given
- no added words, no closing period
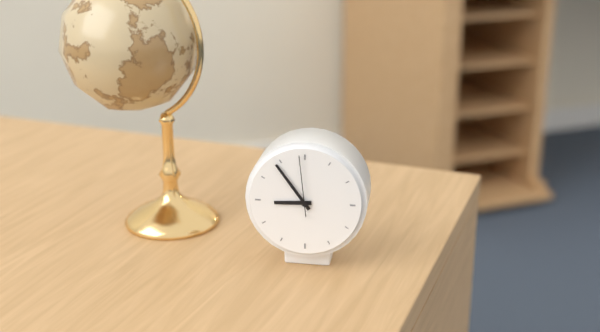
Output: **8:54:59**
